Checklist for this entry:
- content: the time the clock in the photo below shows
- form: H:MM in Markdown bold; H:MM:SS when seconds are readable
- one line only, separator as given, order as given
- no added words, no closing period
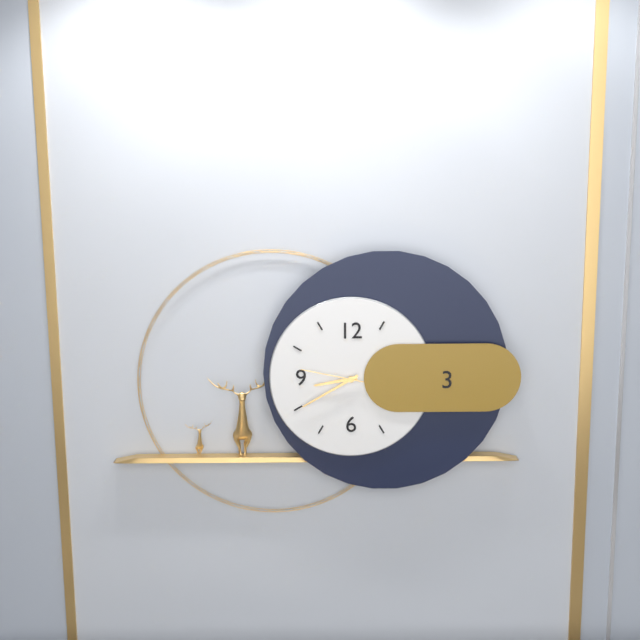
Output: **8:40:47**
